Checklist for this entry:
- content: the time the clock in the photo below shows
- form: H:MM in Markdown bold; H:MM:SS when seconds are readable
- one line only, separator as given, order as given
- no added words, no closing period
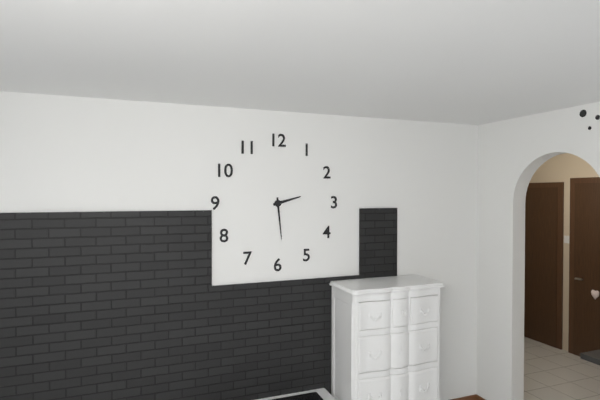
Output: **2:29**
